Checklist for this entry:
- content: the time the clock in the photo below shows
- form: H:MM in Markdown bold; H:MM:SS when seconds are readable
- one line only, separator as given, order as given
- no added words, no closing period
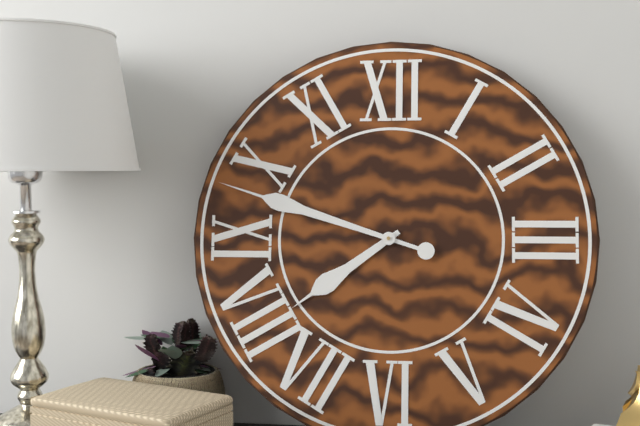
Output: **7:48**
